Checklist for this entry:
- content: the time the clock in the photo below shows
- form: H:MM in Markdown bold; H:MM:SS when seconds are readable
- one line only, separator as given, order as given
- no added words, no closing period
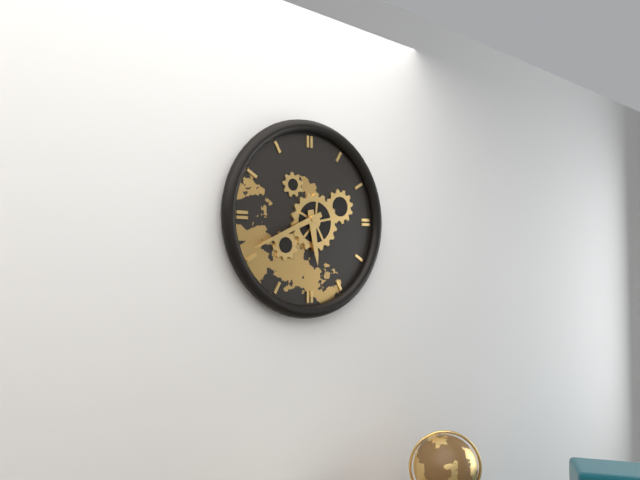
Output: **5:41**
